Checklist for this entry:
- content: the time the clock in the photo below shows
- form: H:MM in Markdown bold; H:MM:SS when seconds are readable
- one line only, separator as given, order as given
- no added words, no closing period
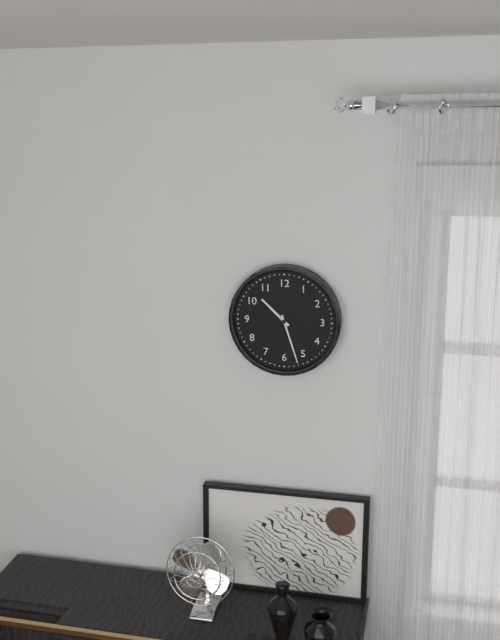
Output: **10:27**
